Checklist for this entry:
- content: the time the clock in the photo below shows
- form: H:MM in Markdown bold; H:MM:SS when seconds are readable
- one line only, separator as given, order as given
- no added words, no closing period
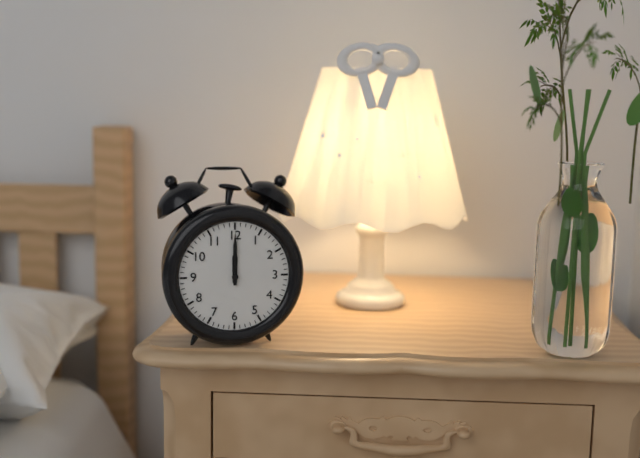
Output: **12:00**
